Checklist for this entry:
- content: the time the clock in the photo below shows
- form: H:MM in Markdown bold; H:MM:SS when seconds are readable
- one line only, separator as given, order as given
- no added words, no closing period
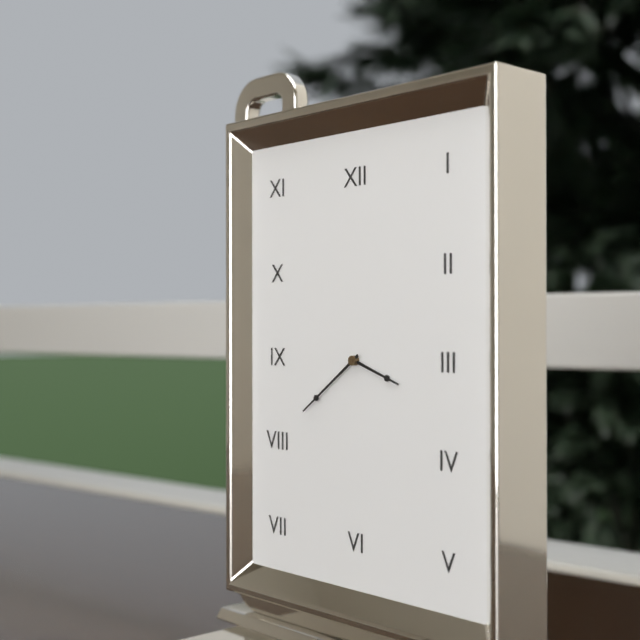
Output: **3:39**
